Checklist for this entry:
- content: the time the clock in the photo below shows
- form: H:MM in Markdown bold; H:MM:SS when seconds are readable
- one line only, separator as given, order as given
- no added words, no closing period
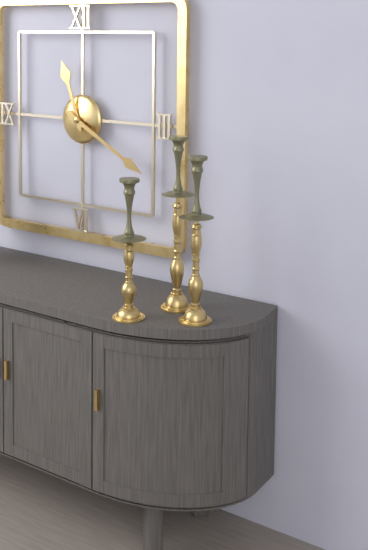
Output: **11:20**
